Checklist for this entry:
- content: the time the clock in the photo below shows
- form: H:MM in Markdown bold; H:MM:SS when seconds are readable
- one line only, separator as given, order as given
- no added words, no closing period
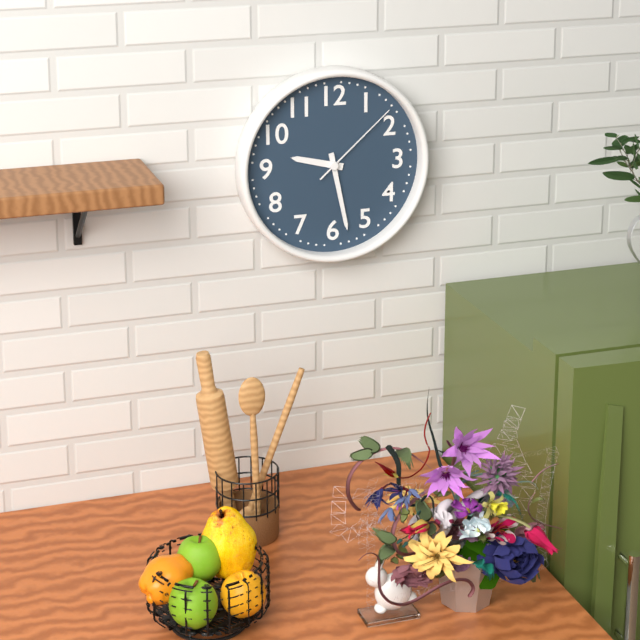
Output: **9:28:08**
